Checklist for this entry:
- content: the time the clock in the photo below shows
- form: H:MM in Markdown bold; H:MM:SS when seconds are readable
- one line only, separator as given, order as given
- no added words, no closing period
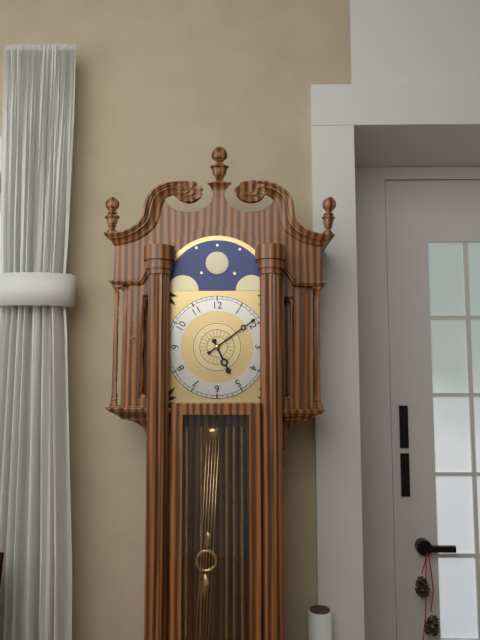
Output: **5:09**
